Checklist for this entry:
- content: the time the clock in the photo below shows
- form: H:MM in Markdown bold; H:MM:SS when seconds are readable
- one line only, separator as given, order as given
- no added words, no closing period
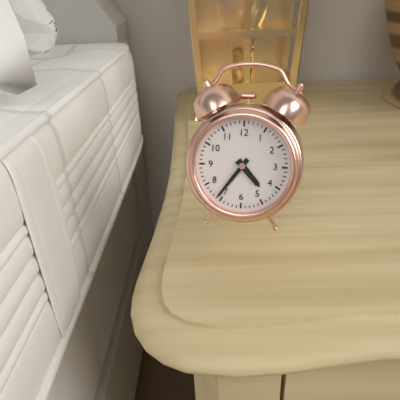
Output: **4:36**
